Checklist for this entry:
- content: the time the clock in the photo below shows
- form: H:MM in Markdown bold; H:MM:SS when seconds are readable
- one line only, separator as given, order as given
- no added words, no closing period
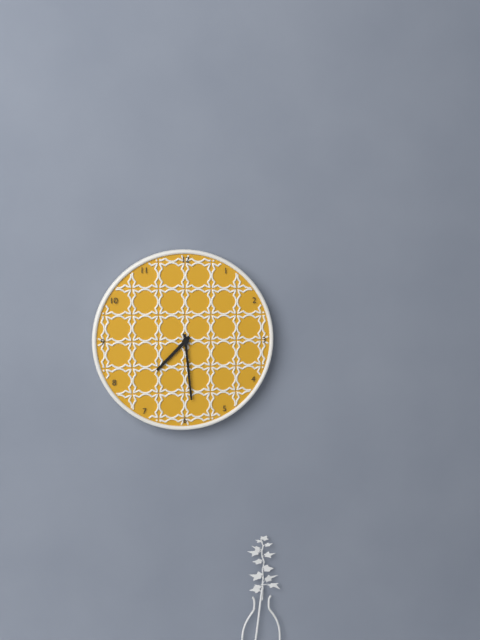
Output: **7:29**
